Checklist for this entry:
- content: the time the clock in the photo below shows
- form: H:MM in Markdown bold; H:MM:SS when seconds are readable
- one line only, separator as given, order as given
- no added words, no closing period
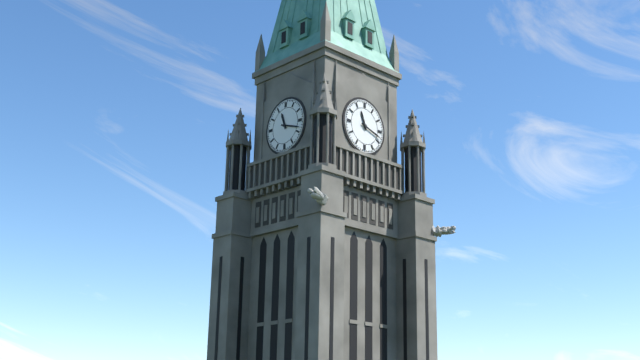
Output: **11:18**
